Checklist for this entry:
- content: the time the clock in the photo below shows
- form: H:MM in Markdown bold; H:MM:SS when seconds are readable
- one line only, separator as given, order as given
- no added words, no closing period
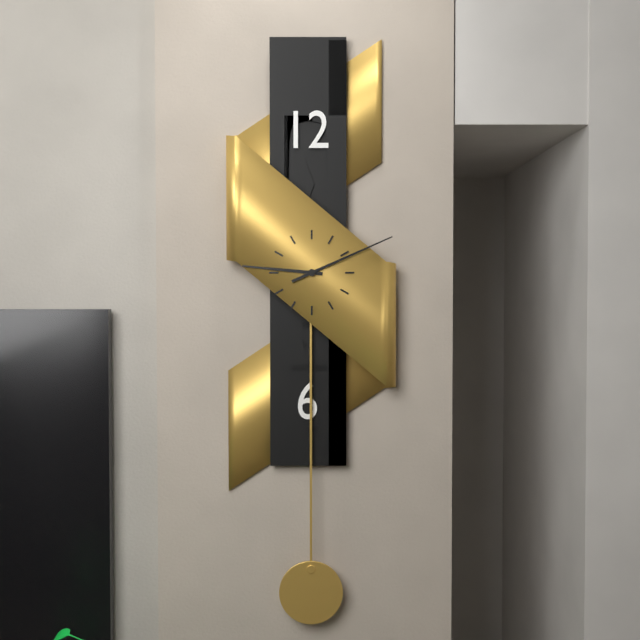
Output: **9:11**
